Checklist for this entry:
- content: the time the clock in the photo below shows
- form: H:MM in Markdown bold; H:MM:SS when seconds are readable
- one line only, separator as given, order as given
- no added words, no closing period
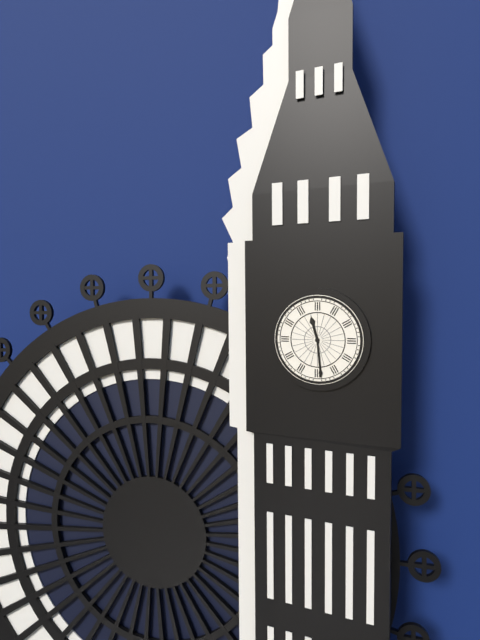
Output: **11:29**
